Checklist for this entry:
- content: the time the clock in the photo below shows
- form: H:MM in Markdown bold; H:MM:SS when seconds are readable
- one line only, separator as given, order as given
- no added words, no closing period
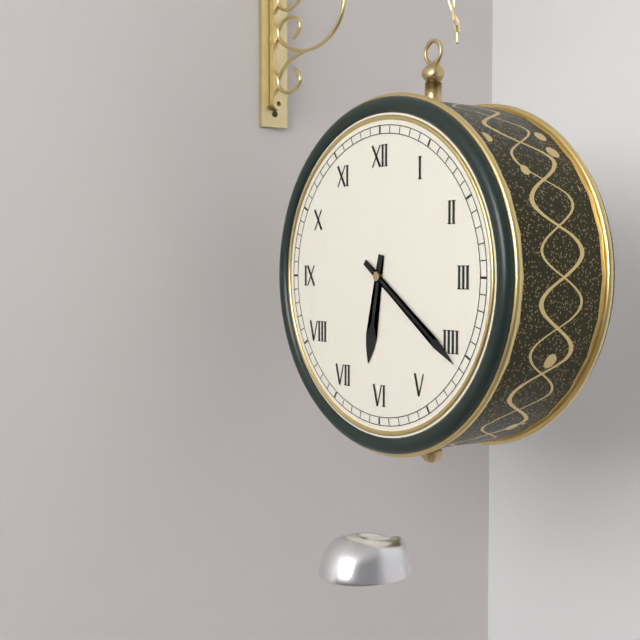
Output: **6:21**
